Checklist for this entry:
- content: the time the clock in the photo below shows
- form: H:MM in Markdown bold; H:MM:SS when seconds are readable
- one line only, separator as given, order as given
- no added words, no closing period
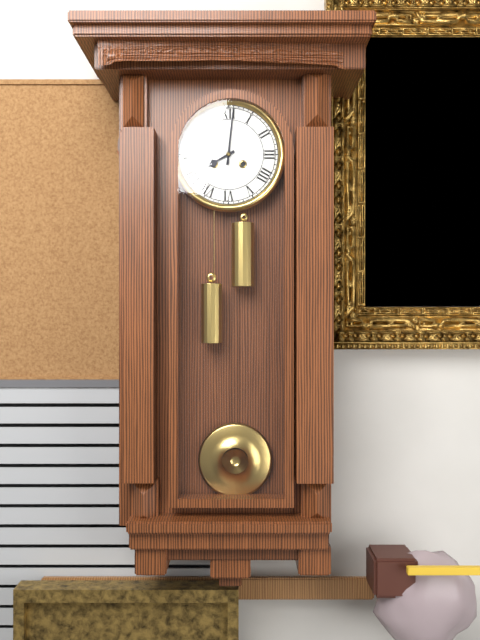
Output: **8:01**
